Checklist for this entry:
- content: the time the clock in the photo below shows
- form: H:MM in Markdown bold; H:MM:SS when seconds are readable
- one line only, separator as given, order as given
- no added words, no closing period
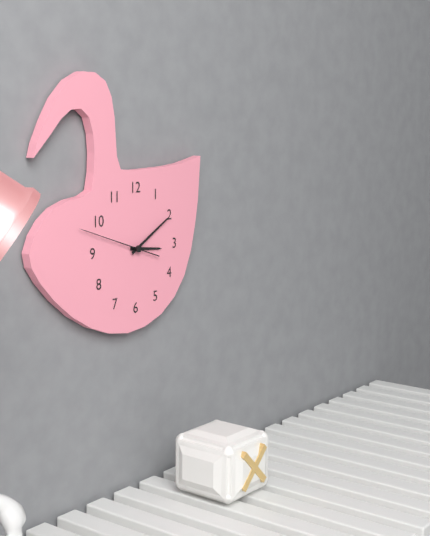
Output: **3:10:48**
